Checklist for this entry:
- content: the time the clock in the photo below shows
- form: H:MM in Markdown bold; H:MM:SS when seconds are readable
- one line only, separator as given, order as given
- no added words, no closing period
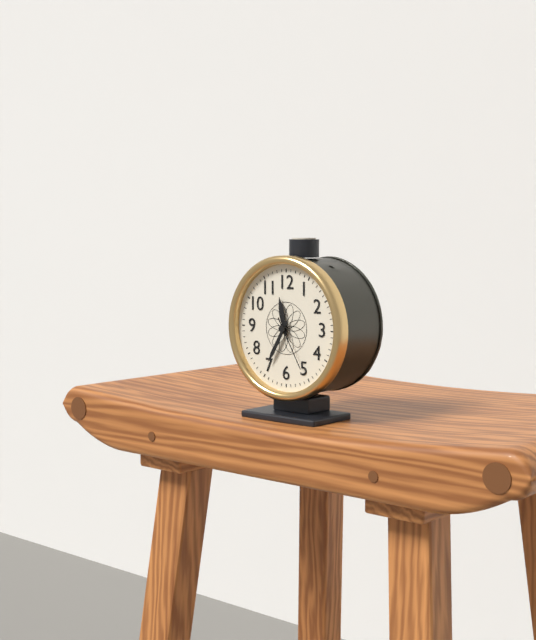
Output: **11:35:25**
